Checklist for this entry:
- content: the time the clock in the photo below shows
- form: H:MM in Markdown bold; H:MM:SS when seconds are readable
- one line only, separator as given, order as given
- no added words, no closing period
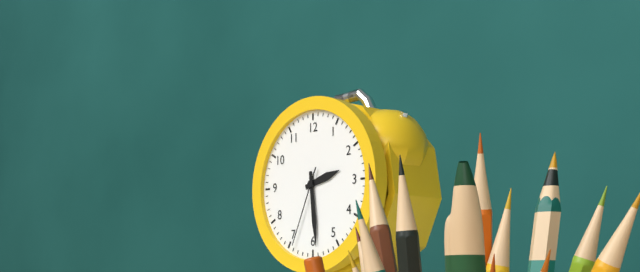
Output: **2:29:34**
